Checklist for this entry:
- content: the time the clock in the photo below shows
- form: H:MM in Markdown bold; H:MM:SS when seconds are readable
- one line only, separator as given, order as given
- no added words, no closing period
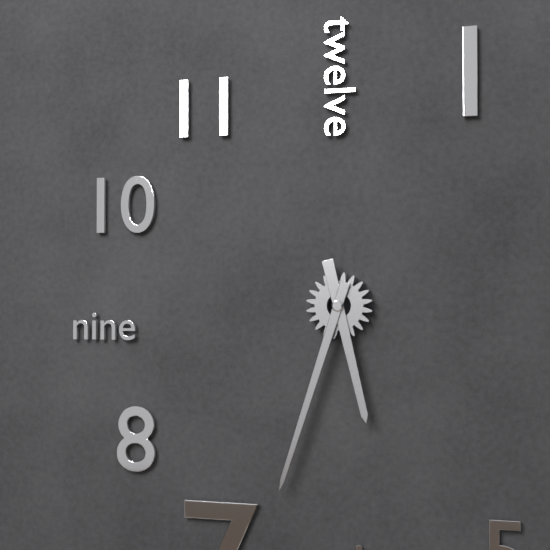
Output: **5:33**
